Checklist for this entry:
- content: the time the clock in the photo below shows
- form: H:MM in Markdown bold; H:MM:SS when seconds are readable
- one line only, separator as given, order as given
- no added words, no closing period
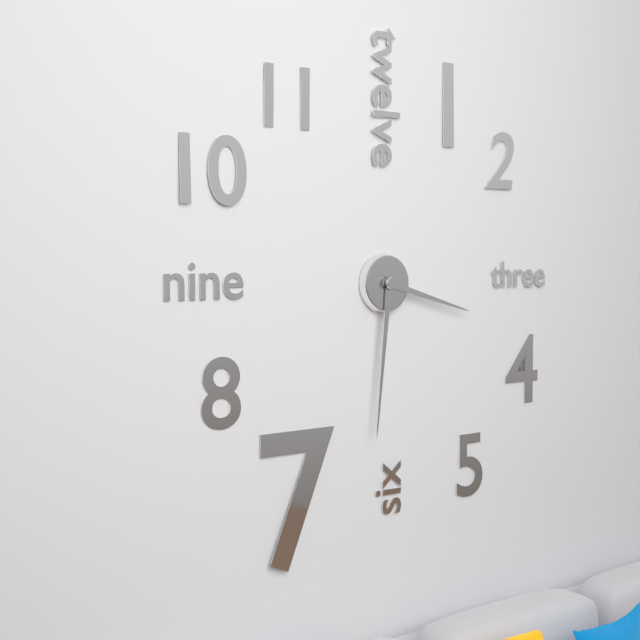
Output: **3:31**
